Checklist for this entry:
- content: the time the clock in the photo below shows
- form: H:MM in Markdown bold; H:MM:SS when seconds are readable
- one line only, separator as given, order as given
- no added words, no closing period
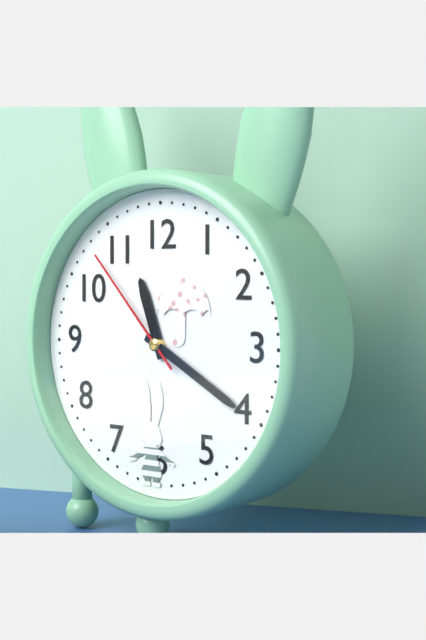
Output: **11:20:53**
